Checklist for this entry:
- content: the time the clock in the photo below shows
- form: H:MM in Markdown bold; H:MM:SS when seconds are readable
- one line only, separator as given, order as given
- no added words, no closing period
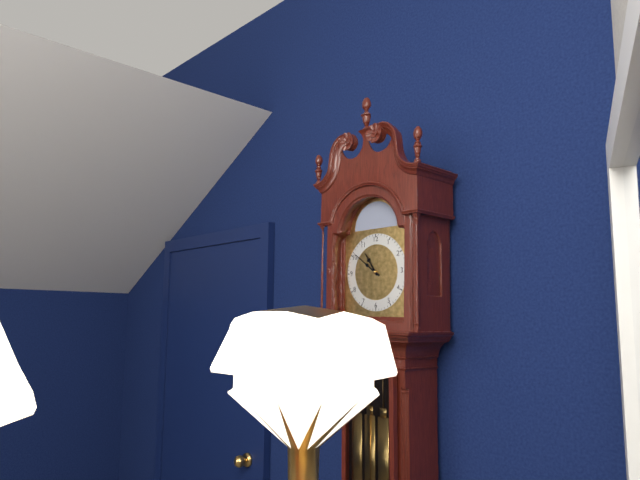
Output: **10:51**
